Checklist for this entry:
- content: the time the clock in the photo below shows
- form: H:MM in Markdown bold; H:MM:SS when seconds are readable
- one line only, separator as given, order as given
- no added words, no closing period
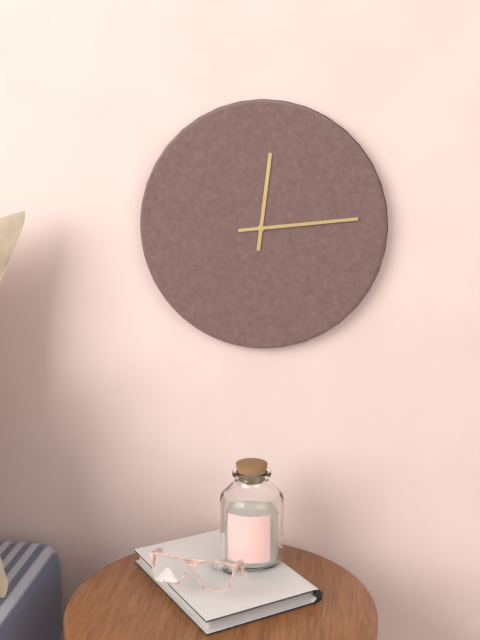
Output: **12:14**
